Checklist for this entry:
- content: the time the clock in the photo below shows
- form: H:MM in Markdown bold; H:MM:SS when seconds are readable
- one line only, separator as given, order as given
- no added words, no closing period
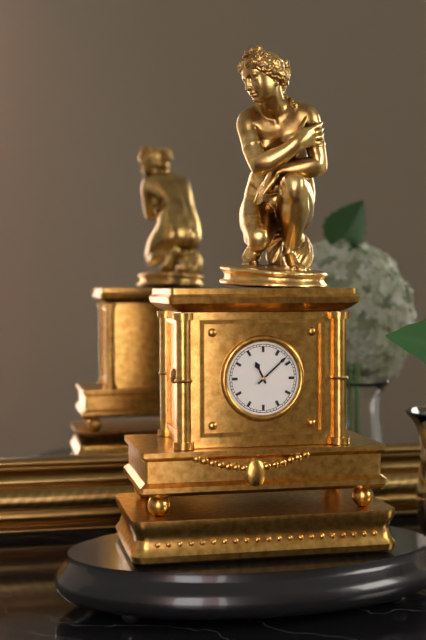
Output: **11:08**
